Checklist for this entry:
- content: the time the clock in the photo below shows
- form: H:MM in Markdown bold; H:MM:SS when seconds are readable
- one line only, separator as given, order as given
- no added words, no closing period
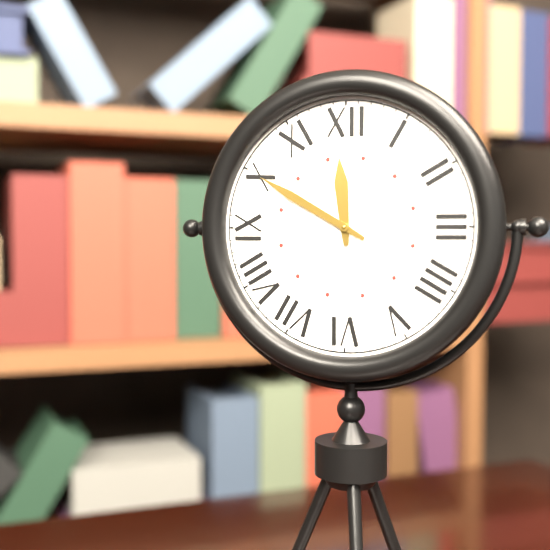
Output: **11:50**
